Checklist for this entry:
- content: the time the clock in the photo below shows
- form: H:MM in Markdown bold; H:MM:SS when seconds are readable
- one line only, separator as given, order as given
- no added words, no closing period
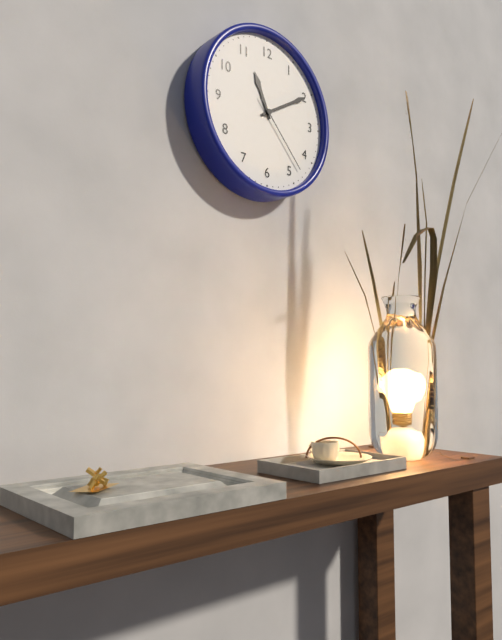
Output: **11:10:23**
